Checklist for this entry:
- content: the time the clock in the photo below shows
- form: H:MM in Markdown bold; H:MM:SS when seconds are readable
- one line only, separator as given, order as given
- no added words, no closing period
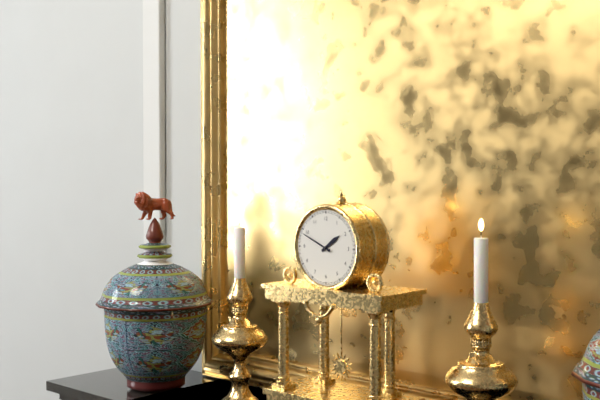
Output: **1:49**
